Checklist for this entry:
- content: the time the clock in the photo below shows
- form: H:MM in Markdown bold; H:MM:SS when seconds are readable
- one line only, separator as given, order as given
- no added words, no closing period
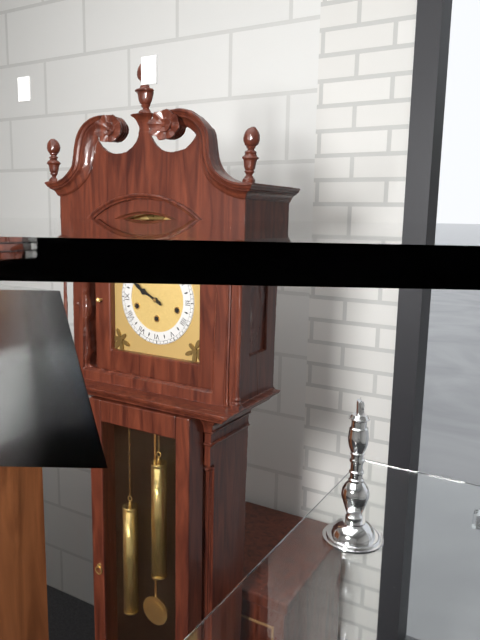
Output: **9:50**
